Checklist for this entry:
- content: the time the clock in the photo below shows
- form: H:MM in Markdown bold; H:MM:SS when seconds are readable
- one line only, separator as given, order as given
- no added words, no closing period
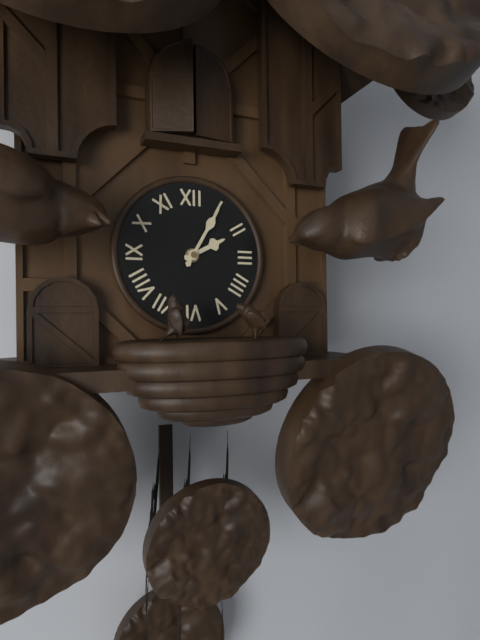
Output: **2:05**
